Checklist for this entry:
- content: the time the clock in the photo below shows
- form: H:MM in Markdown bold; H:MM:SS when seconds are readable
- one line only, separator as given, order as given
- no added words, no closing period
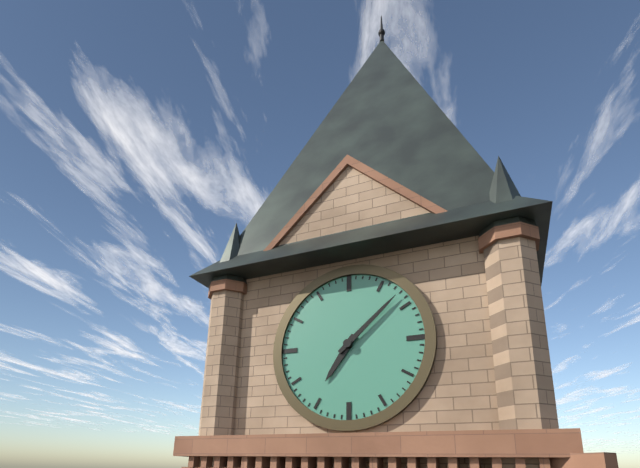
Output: **7:08**
